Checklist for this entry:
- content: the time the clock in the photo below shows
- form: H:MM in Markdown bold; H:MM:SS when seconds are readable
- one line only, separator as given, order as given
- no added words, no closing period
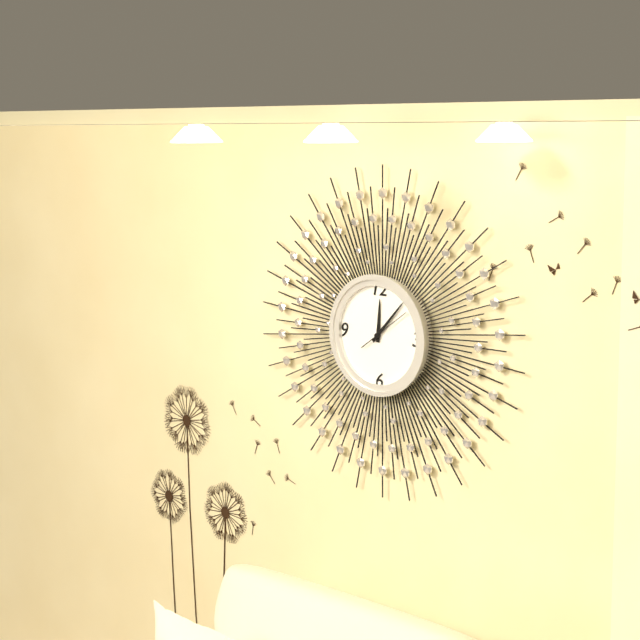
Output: **12:07**
